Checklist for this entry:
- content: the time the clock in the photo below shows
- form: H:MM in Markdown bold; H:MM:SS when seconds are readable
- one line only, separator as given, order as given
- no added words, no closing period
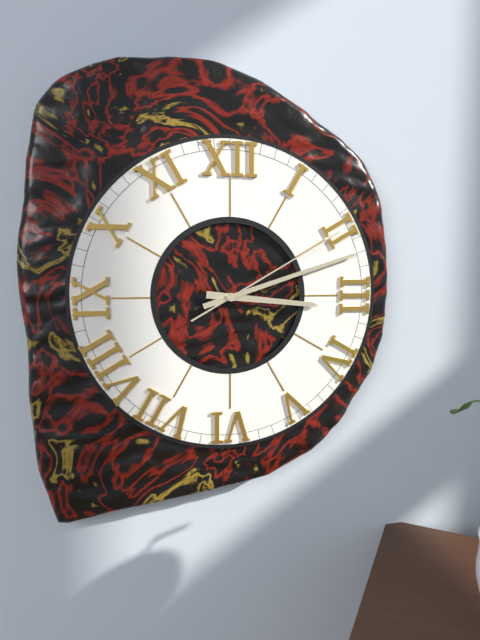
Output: **3:12:10**
